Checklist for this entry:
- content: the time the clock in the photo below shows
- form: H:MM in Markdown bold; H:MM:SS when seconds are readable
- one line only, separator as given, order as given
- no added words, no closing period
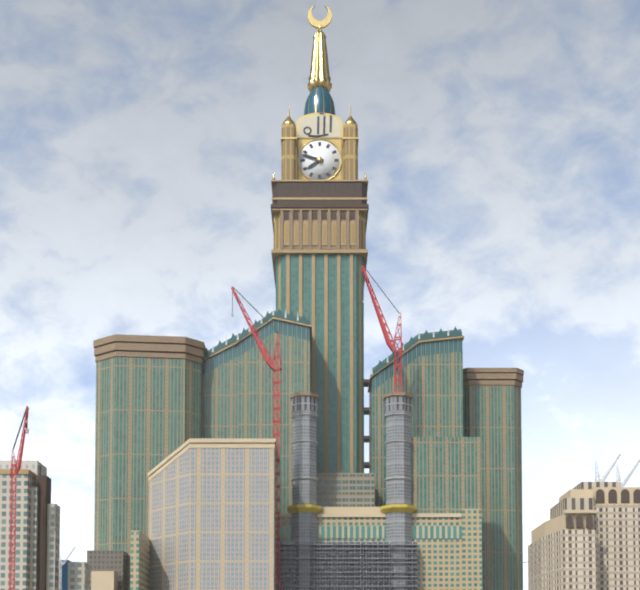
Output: **7:48**
